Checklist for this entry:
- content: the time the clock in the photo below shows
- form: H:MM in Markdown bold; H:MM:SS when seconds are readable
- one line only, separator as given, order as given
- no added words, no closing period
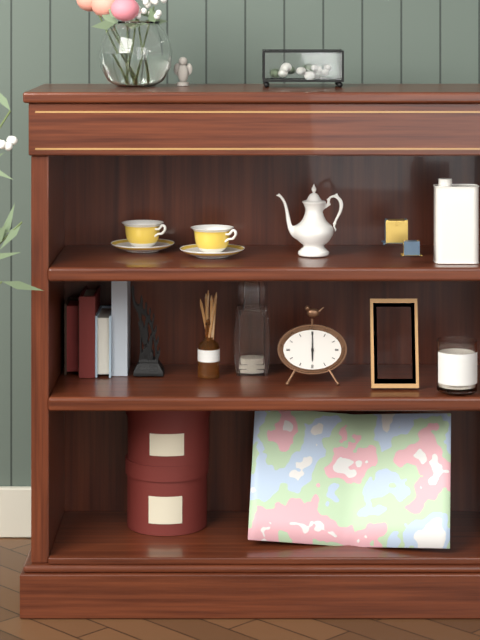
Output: **6:00**
